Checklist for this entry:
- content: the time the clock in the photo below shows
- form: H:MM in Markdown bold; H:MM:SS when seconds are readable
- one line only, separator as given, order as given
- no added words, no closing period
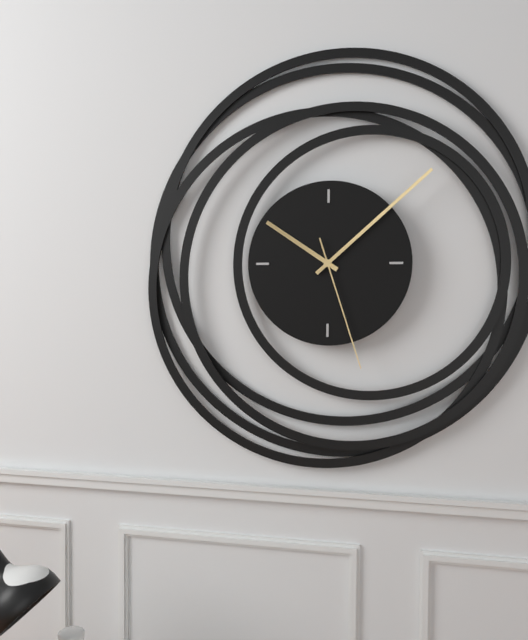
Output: **10:08:27**
